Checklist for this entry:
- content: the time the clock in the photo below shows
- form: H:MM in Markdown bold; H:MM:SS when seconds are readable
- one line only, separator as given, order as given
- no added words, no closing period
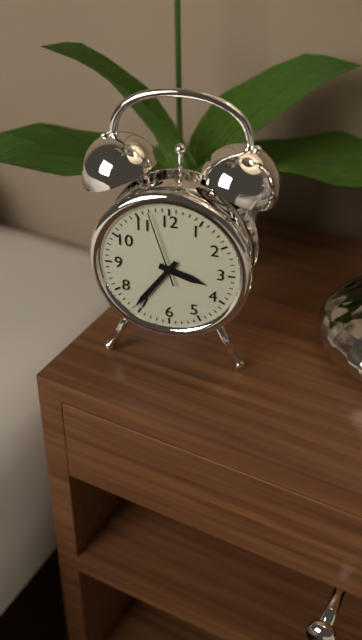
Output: **3:36:57**
